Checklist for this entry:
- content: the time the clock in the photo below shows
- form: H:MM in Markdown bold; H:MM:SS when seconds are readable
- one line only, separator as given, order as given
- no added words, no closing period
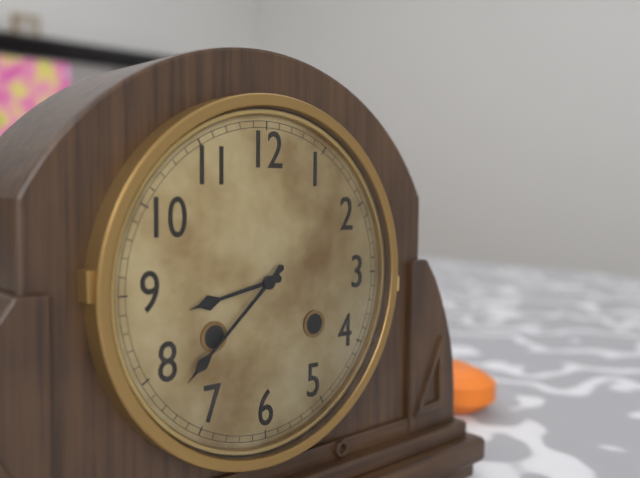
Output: **8:38**
